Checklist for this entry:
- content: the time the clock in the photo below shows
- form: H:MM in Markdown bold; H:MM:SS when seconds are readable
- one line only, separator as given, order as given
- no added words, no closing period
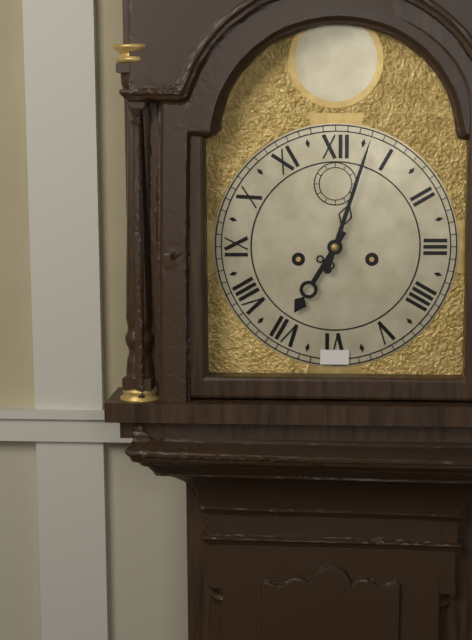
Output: **7:03**
